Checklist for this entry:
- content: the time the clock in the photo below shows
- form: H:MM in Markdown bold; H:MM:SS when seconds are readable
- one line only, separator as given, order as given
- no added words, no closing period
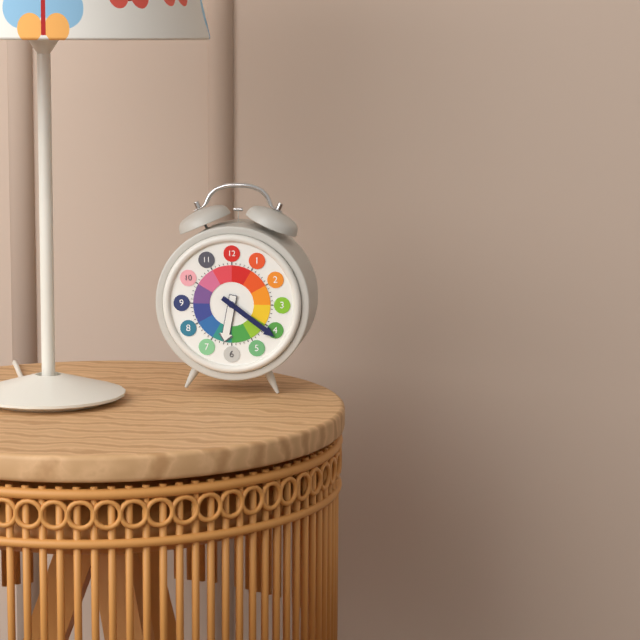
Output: **6:21**
